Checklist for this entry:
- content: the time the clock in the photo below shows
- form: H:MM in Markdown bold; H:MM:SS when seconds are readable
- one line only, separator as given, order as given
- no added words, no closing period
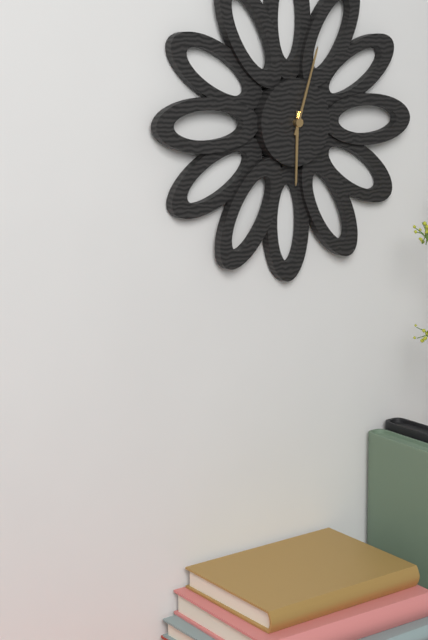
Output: **6:03**
